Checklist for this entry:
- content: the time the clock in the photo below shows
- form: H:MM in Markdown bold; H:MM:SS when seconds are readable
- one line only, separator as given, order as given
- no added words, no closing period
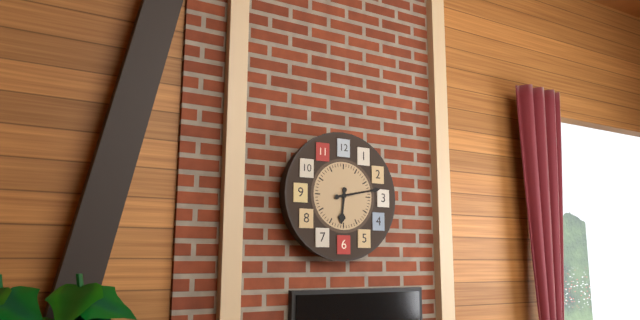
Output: **6:13**
